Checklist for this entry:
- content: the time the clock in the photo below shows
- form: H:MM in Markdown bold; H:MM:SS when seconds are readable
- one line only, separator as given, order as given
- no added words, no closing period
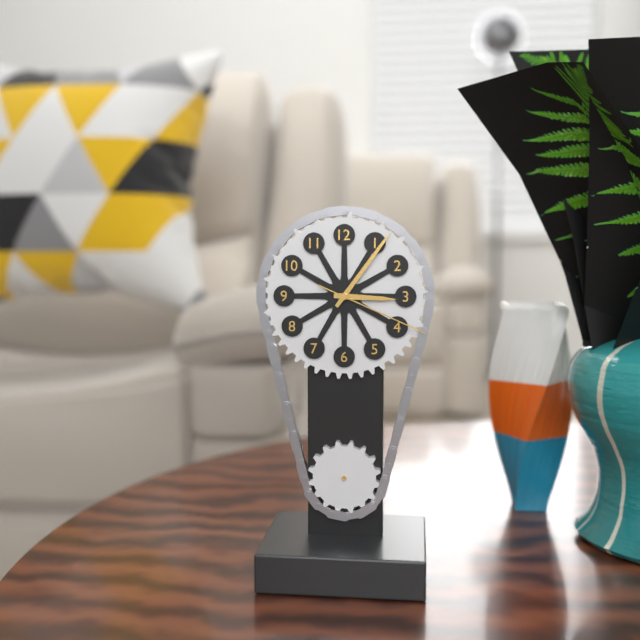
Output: **3:06:19**
